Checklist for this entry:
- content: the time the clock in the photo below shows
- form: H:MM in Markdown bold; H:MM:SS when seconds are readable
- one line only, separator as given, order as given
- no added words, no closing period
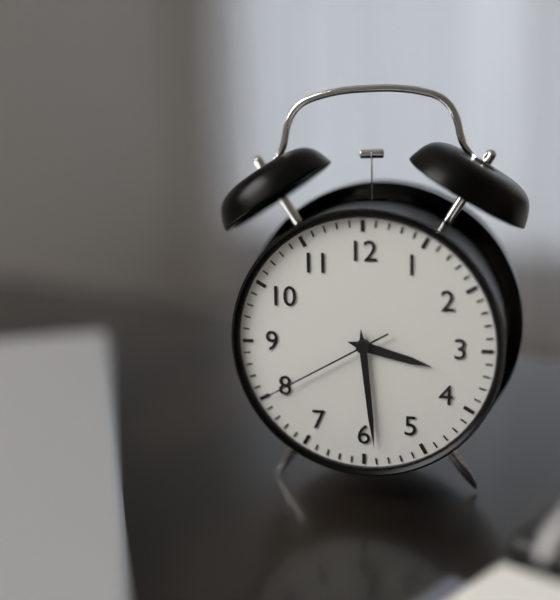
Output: **3:29:40**
